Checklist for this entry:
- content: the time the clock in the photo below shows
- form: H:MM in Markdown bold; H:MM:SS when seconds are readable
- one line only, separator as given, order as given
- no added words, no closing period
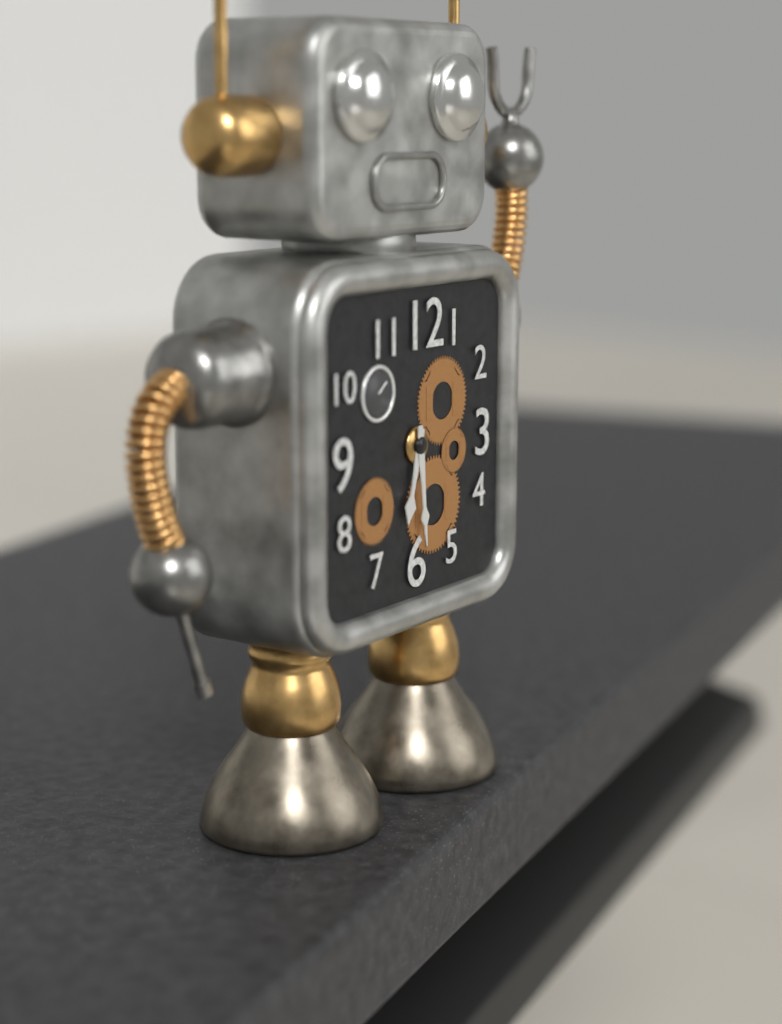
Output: **6:29**
